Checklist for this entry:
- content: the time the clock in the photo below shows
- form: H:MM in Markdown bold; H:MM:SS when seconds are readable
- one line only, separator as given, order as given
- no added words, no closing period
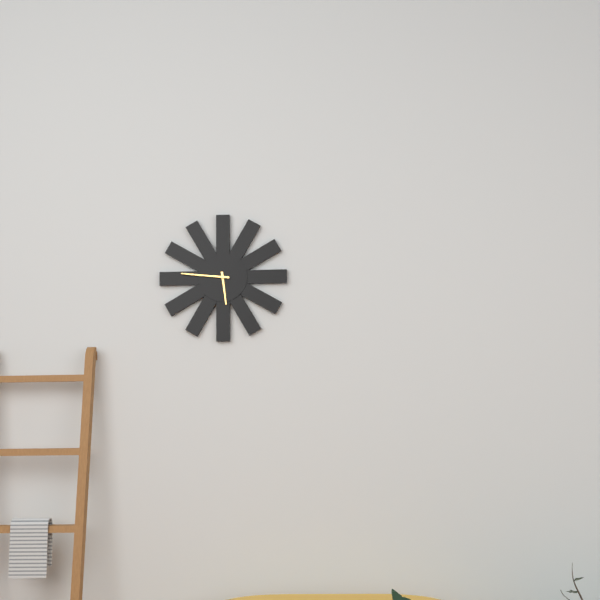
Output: **5:46**
